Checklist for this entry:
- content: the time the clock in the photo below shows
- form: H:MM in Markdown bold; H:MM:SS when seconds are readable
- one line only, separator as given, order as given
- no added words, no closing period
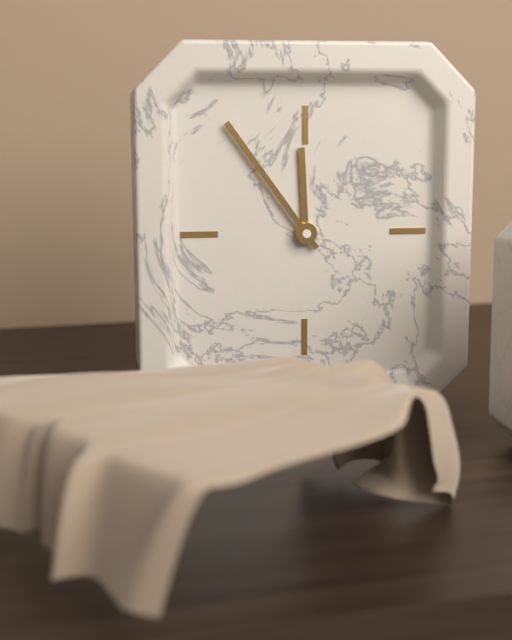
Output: **11:54**
